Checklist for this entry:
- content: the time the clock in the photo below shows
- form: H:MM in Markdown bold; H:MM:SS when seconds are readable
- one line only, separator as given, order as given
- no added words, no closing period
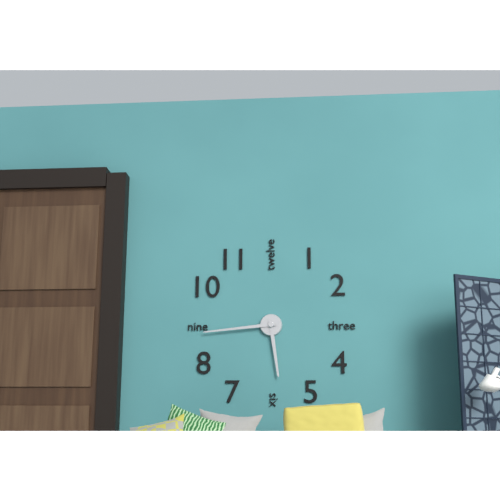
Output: **5:44**
